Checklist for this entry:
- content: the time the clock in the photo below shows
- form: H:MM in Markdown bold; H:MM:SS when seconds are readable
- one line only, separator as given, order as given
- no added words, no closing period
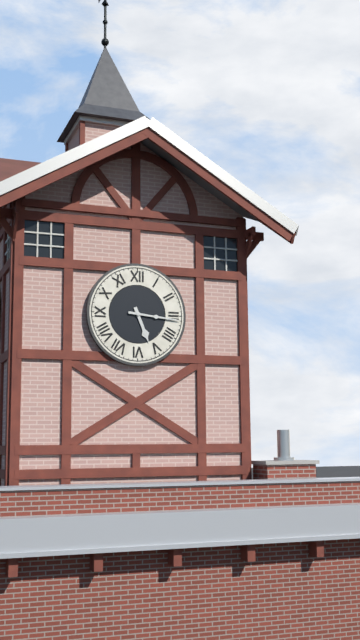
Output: **5:16**
